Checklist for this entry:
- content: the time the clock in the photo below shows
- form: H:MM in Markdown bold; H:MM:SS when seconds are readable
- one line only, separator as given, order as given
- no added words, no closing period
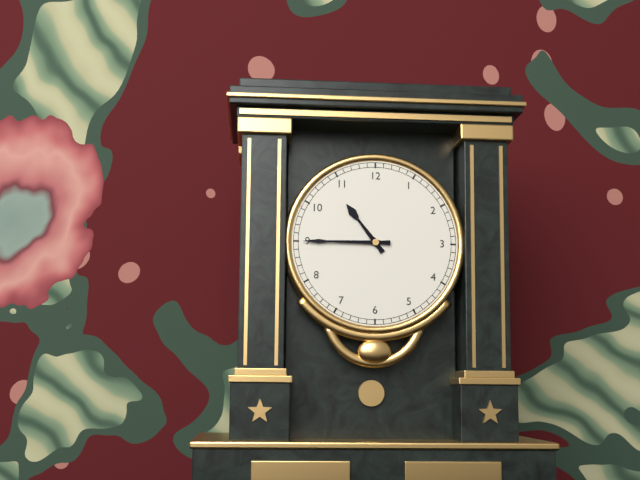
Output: **10:45**
